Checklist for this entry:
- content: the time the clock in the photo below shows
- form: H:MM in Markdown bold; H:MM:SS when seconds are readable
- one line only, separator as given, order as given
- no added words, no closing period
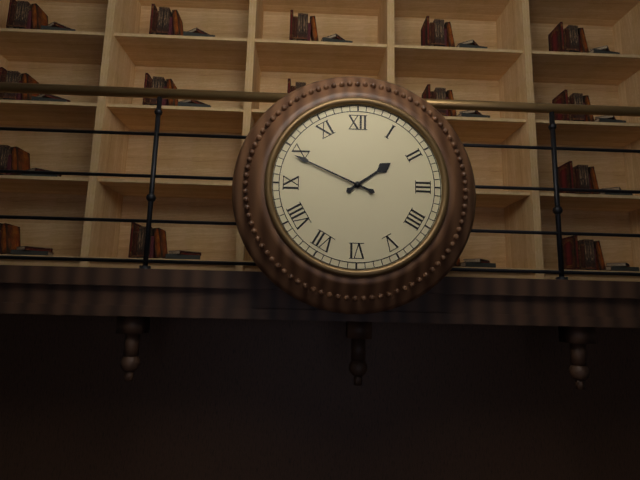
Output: **1:49**
